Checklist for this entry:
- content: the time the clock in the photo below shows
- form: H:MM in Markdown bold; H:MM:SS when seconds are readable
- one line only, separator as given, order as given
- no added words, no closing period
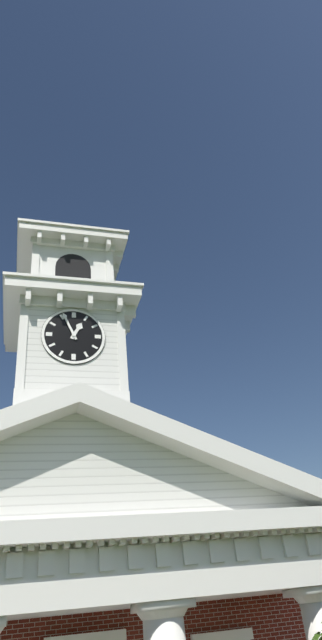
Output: **12:56**
